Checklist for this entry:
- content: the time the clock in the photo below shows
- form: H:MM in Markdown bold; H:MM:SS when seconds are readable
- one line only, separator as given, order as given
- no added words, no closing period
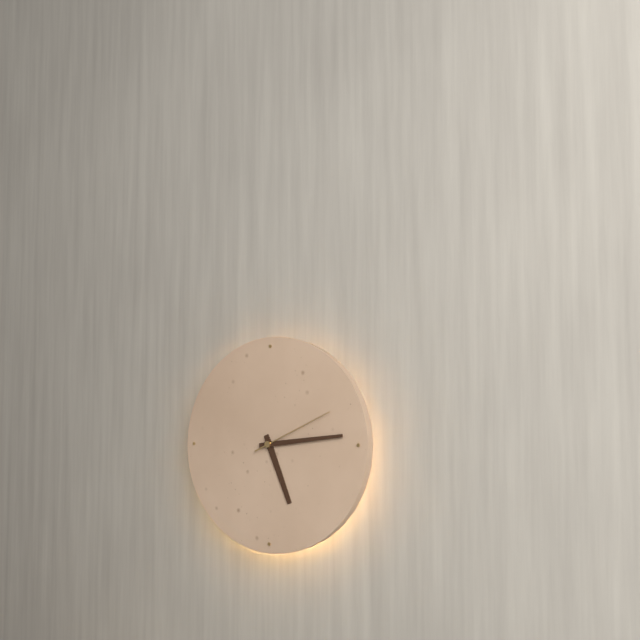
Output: **5:14:11**
